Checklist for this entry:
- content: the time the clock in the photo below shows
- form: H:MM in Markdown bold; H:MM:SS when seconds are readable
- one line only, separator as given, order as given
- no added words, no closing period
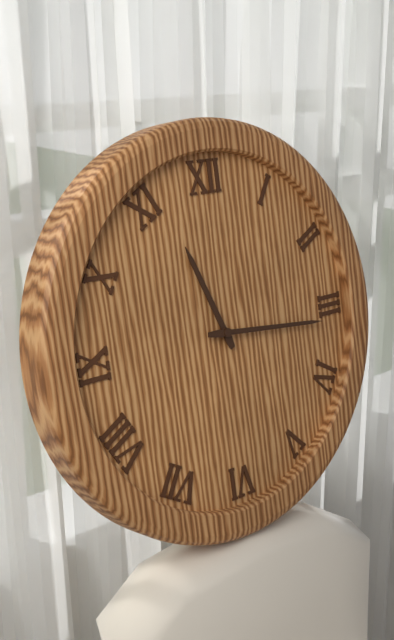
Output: **11:16**
